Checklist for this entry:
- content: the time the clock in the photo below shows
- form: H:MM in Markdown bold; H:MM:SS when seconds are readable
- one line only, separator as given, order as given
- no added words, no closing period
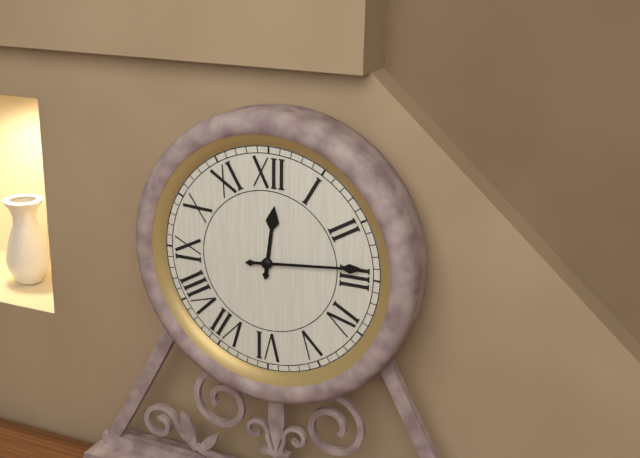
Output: **12:14**
